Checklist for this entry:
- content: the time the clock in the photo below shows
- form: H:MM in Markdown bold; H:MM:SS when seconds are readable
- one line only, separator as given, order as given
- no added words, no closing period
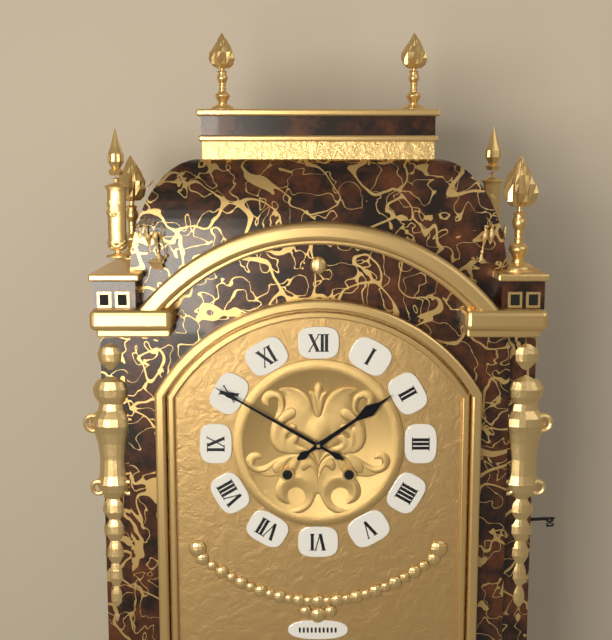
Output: **1:50**
